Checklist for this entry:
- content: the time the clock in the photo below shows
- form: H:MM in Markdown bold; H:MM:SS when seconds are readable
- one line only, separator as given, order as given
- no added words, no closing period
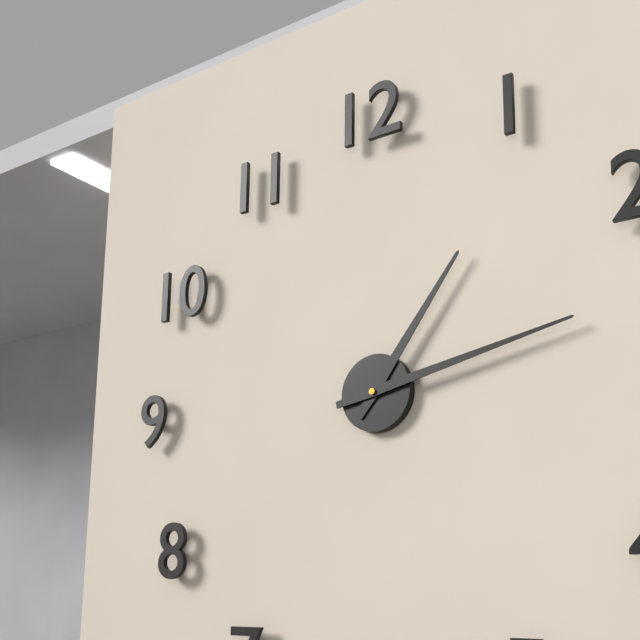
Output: **1:13**
